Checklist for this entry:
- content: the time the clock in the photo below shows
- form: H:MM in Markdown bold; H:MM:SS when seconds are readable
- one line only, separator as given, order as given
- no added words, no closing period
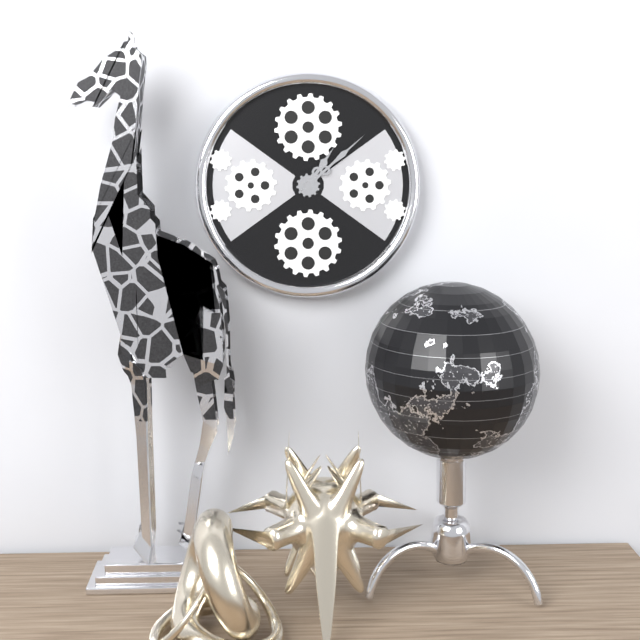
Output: **1:08**
